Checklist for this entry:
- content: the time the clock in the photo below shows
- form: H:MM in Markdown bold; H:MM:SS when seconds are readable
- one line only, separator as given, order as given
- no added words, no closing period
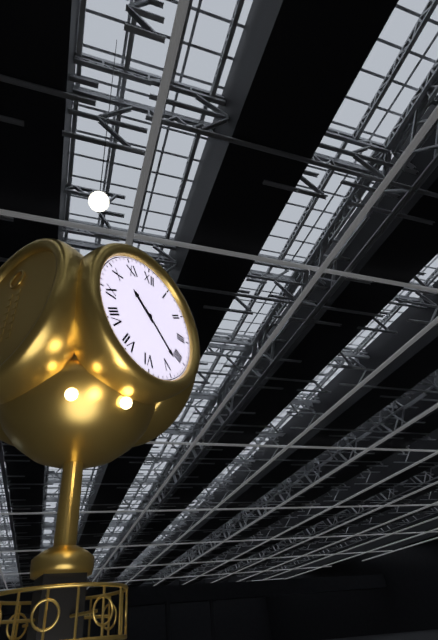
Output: **10:22**
